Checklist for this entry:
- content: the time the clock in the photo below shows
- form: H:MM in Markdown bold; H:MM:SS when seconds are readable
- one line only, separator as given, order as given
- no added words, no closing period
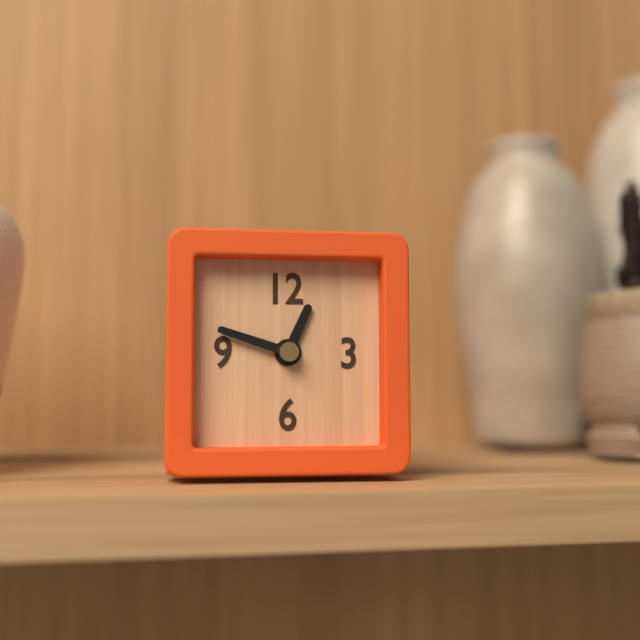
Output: **12:48**
